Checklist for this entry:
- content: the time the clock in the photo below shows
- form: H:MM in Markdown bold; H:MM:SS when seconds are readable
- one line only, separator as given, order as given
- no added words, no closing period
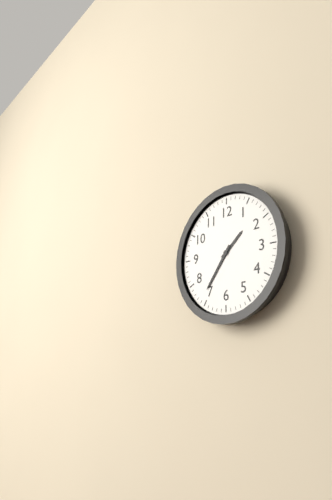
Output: **1:36**
